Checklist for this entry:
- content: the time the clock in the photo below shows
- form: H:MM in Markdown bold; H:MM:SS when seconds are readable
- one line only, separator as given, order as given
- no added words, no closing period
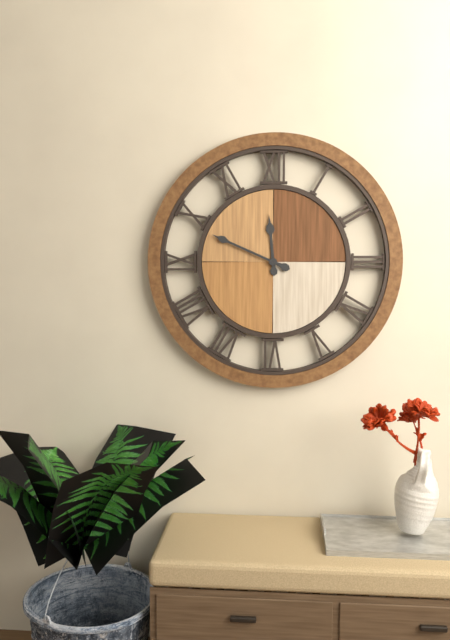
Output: **11:49**
